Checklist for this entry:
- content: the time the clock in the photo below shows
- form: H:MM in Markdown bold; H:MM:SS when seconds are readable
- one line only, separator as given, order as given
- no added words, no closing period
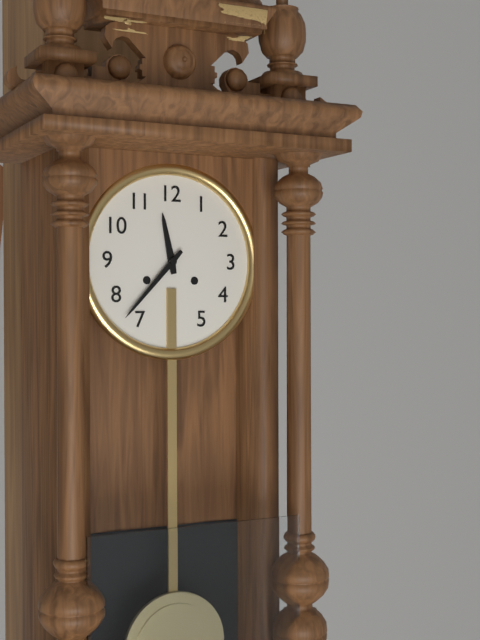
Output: **11:37**
